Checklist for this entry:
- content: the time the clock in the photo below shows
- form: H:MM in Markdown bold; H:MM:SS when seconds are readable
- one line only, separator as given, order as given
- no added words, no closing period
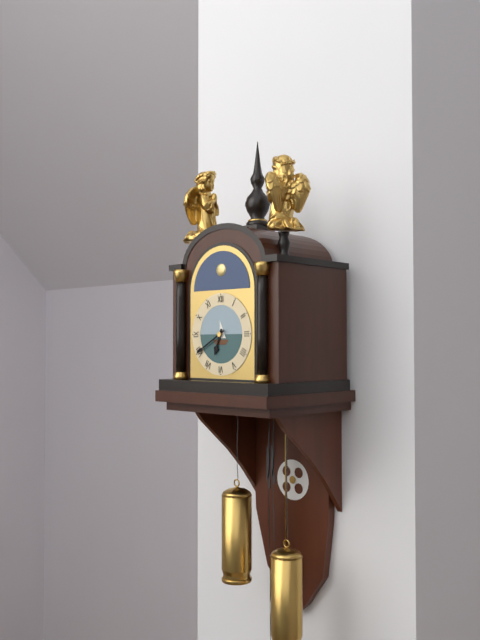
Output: **6:40**
